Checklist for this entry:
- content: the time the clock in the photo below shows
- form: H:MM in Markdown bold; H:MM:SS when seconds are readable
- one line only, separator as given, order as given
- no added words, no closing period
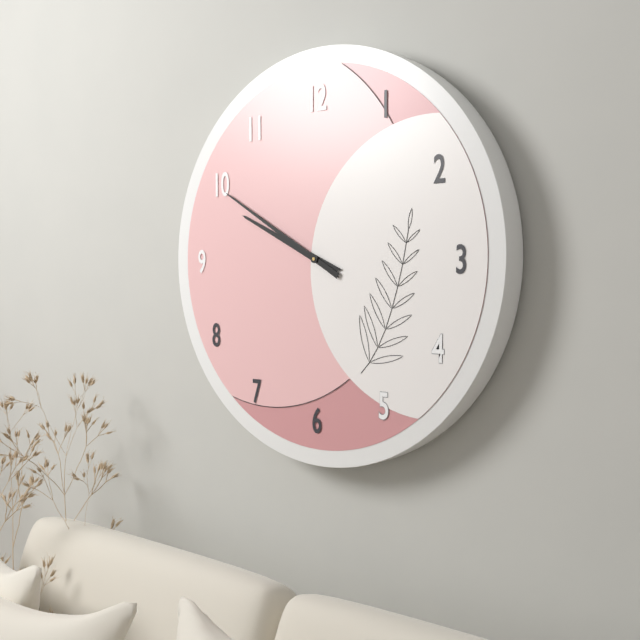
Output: **9:50**
